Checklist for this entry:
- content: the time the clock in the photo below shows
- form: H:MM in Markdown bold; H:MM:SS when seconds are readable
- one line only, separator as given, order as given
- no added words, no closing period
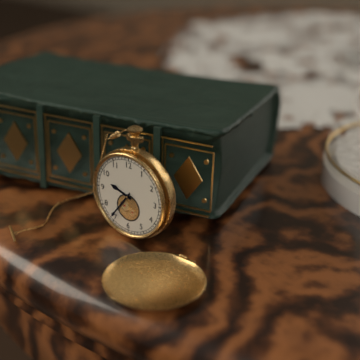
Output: **9:36**
